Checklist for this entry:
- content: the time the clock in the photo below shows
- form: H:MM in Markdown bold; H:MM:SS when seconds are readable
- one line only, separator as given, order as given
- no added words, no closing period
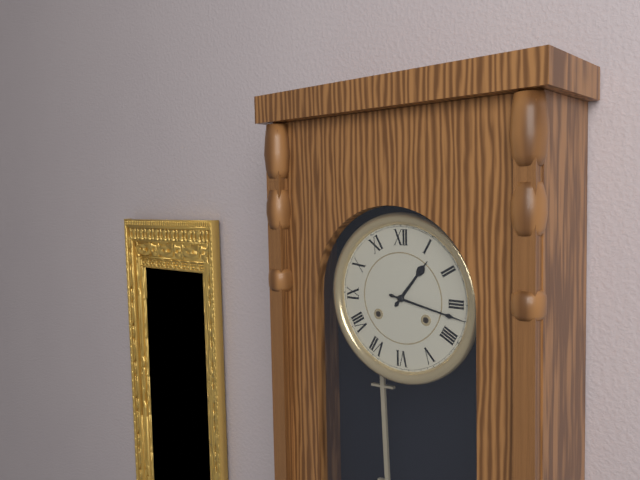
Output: **1:17**
